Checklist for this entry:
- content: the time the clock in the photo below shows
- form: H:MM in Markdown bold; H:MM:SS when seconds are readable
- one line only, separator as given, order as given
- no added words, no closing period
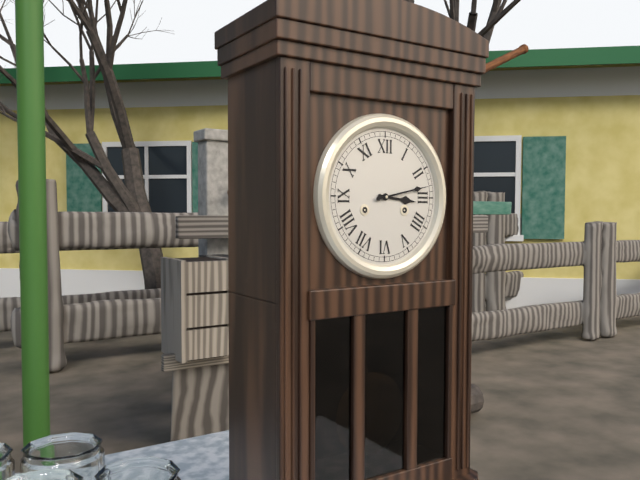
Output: **3:13**
